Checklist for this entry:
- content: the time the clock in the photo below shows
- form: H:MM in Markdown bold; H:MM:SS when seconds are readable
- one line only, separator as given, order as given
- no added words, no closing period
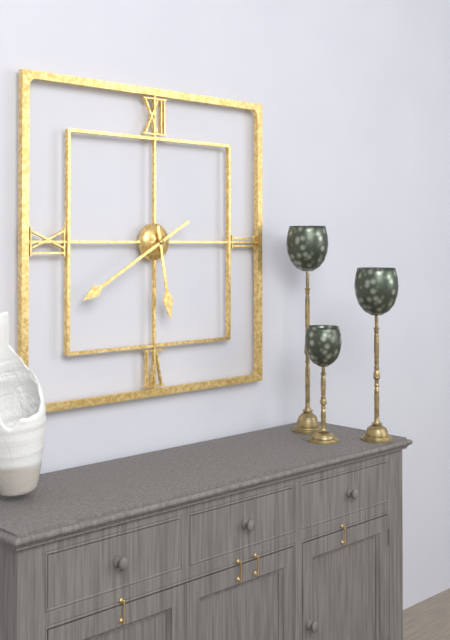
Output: **5:40**
